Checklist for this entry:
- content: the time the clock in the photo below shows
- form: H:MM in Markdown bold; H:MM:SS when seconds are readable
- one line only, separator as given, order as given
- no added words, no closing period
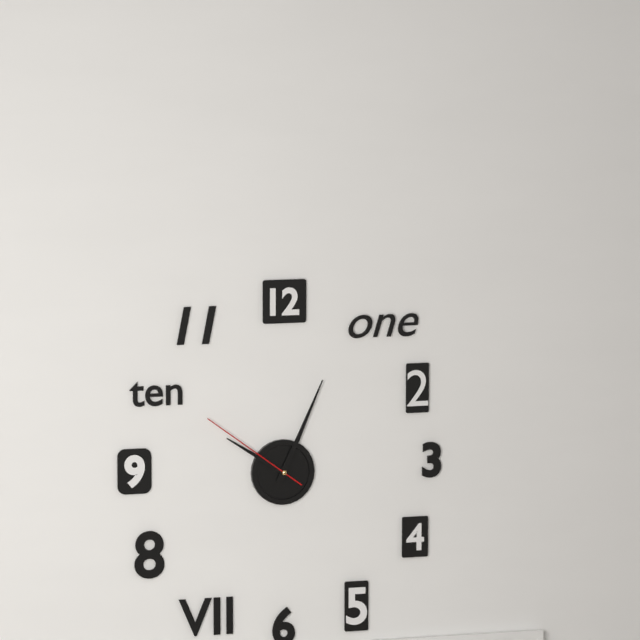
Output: **10:04:51**
